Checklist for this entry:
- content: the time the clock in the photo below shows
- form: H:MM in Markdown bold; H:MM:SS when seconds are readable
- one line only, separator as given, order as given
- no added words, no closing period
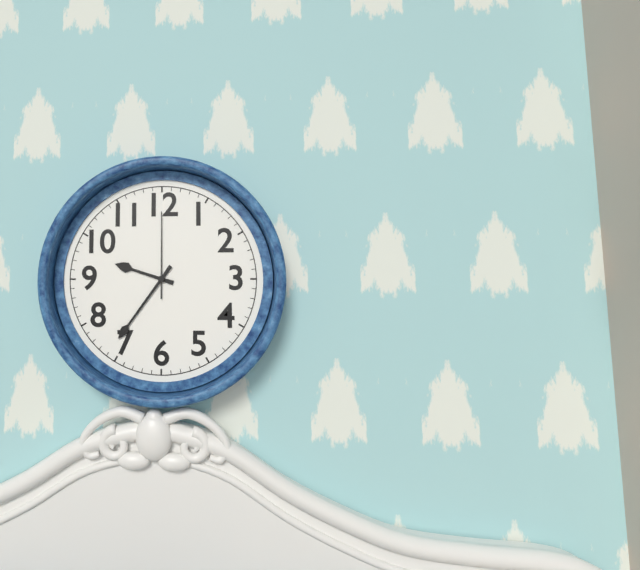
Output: **9:36:00**
